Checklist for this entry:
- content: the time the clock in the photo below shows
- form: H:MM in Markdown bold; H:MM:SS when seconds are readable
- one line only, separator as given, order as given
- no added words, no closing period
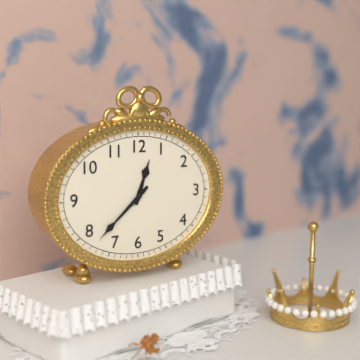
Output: **12:38**
